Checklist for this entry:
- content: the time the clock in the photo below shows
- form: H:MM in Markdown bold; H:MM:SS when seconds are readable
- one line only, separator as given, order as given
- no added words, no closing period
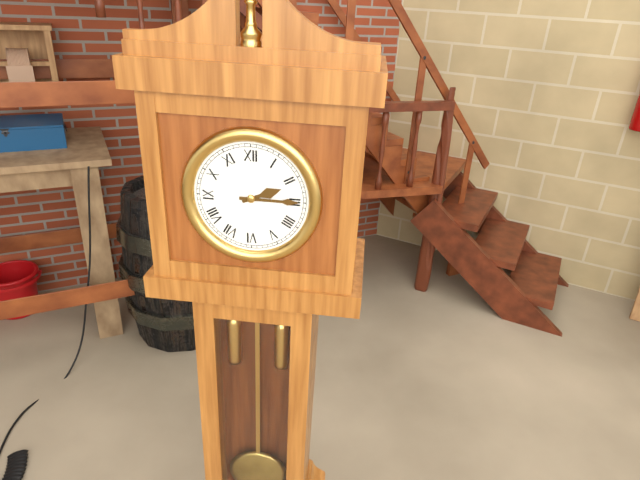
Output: **2:15**
